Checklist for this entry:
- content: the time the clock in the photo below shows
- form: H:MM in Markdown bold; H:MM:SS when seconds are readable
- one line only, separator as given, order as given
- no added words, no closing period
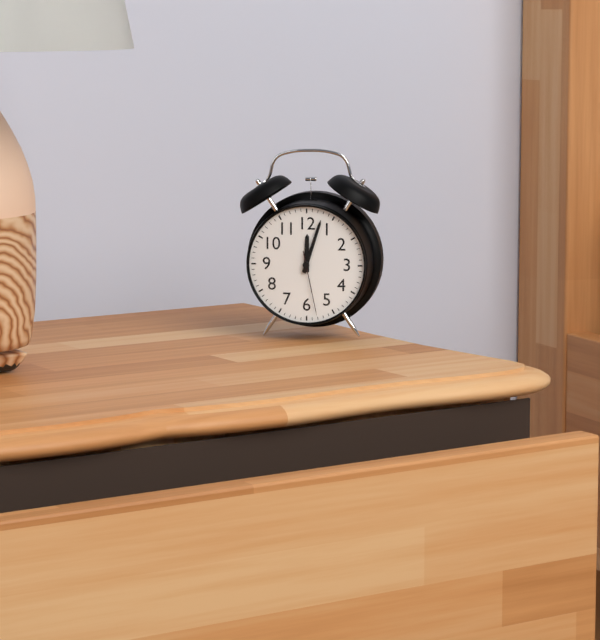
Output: **12:03:28**
